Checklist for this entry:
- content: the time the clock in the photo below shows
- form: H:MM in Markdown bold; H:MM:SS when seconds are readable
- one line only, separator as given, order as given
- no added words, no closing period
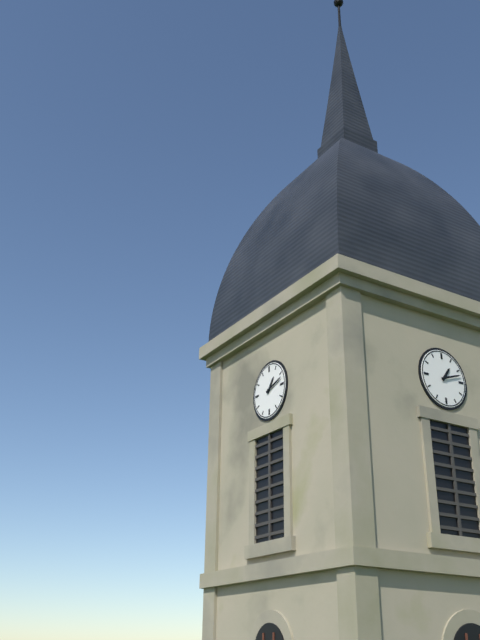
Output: **1:12**
